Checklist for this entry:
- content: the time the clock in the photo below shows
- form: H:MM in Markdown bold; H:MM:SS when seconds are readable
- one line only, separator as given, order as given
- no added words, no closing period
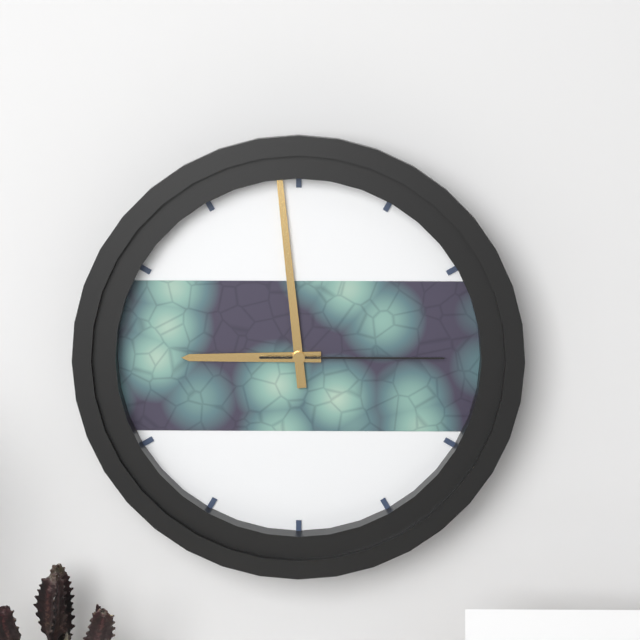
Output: **8:59:15**
